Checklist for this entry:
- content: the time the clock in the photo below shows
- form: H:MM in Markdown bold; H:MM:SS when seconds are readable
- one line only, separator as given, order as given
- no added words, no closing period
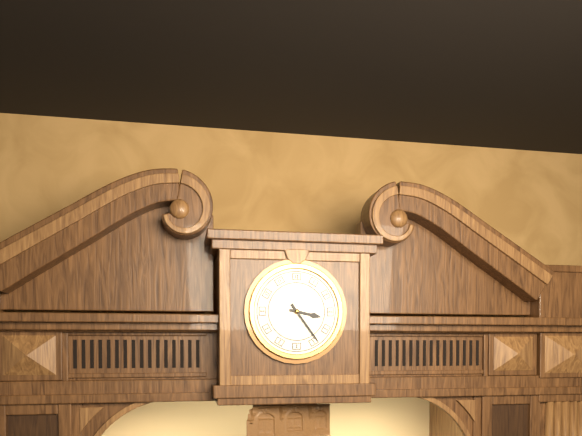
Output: **3:24**
